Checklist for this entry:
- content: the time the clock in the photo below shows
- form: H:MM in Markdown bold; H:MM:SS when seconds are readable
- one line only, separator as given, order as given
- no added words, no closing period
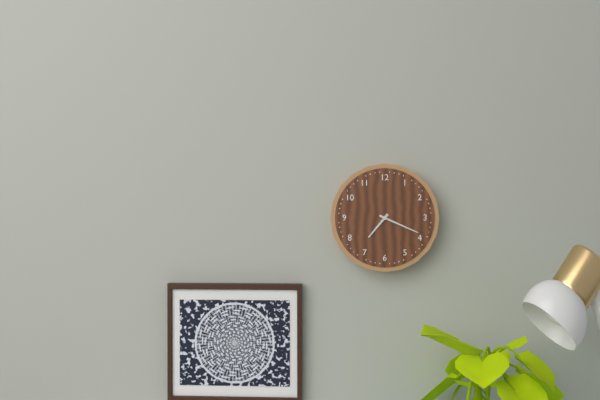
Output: **7:19**
